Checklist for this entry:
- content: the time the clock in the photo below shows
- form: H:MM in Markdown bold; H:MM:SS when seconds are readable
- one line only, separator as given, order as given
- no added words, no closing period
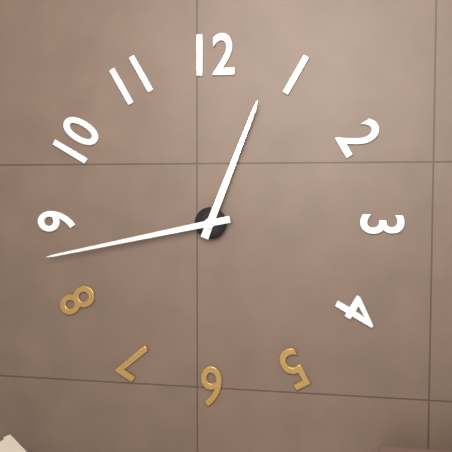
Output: **12:43**
